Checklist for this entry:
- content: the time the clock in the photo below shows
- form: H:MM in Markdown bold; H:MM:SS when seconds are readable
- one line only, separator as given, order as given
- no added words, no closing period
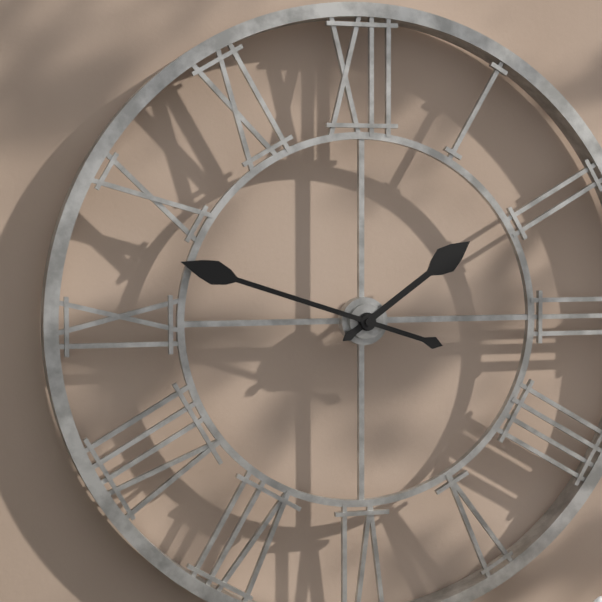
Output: **1:48**
